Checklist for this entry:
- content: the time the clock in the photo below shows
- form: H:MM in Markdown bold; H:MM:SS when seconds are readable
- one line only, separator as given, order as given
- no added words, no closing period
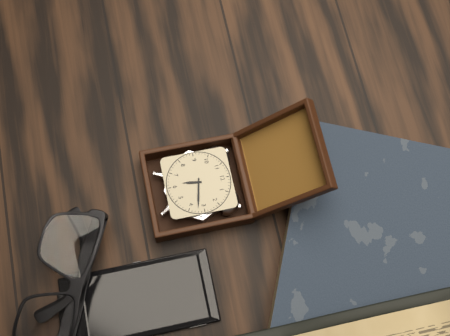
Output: **6:17**
